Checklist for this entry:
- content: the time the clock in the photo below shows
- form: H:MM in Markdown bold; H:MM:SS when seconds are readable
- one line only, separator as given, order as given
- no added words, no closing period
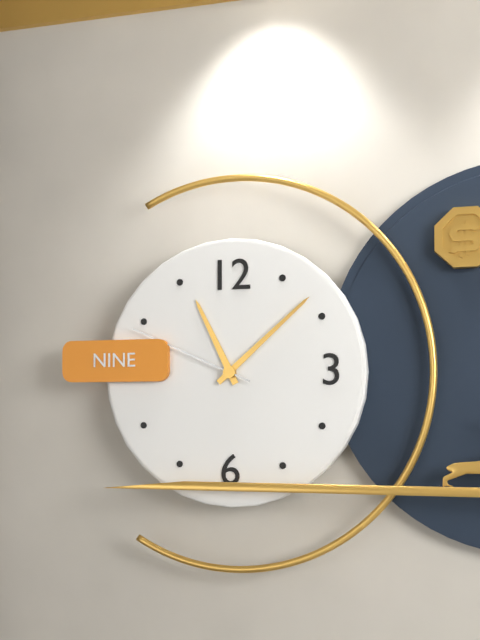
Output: **11:08:49**
